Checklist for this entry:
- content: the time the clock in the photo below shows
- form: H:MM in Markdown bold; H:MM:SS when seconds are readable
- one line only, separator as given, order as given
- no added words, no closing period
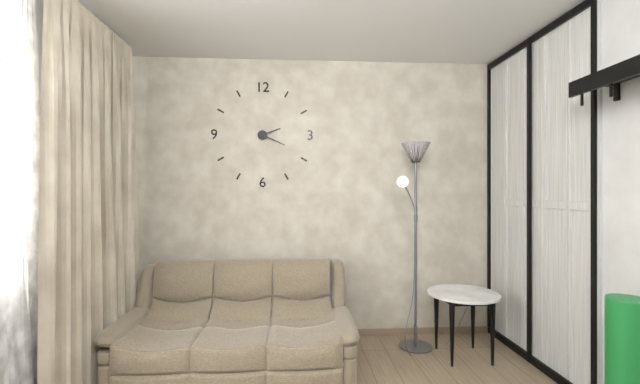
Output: **2:19**
